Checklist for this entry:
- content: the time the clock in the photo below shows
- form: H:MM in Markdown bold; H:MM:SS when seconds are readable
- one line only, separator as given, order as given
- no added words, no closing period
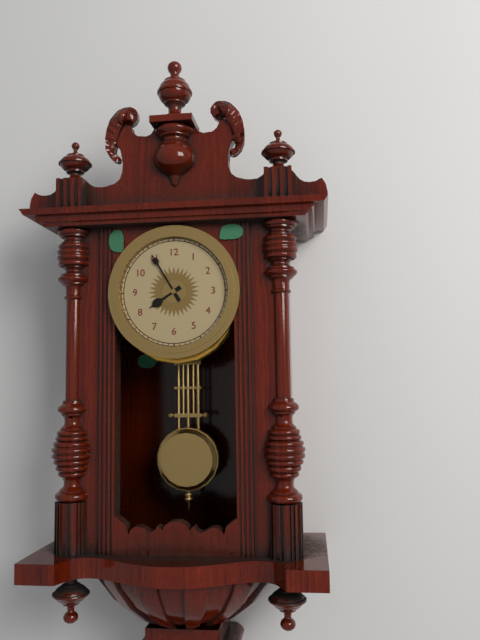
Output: **7:55**
